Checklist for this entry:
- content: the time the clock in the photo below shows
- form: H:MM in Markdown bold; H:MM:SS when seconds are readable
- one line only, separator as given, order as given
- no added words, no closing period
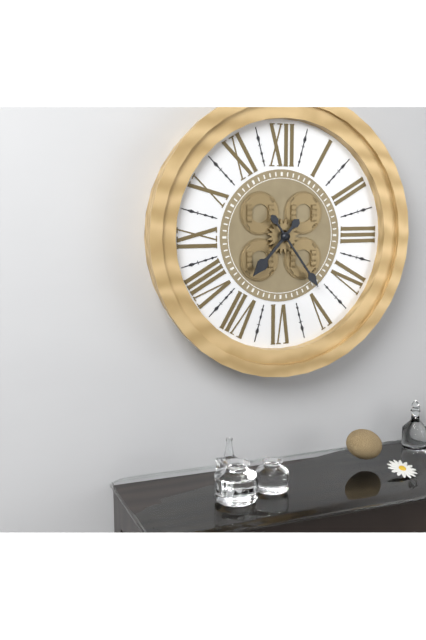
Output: **7:24**
